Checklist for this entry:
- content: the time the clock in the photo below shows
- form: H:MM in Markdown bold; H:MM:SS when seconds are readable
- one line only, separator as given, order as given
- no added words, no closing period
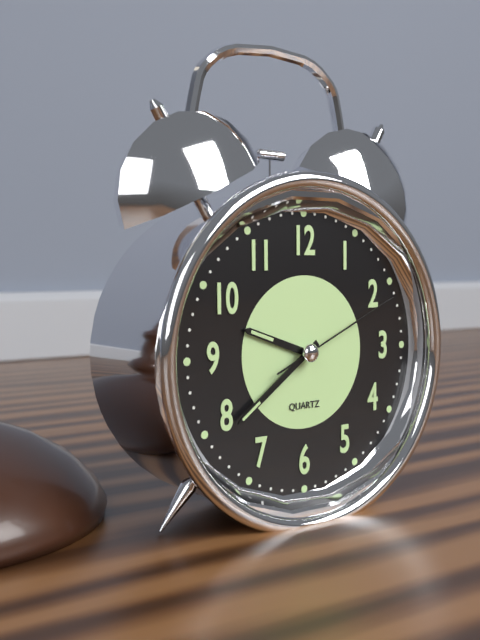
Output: **9:39:11**
